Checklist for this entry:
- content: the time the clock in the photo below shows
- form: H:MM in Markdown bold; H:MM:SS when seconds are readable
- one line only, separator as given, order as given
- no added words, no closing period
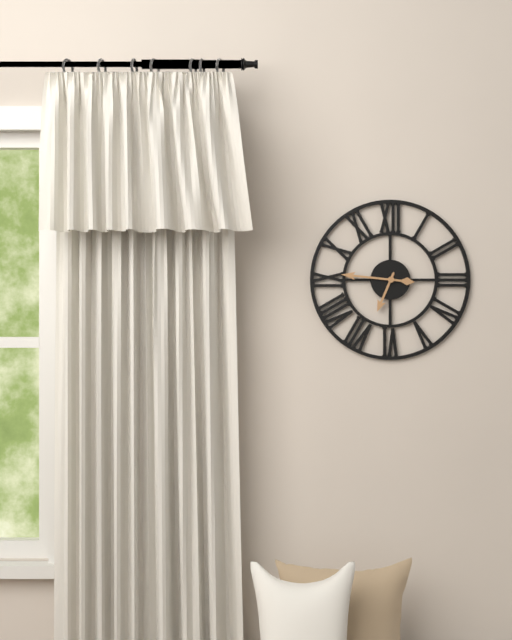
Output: **6:46**
